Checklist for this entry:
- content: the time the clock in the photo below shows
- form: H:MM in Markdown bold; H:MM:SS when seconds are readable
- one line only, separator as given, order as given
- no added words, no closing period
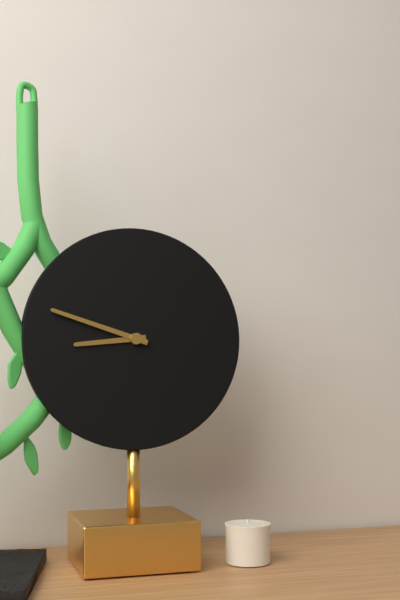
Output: **8:48**
